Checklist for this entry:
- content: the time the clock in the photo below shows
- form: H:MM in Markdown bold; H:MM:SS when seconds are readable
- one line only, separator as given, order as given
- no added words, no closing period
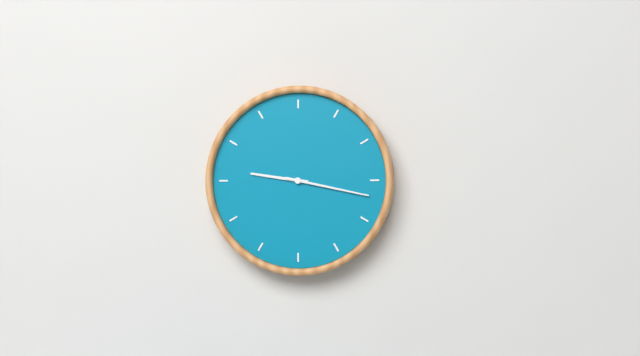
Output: **9:17**
